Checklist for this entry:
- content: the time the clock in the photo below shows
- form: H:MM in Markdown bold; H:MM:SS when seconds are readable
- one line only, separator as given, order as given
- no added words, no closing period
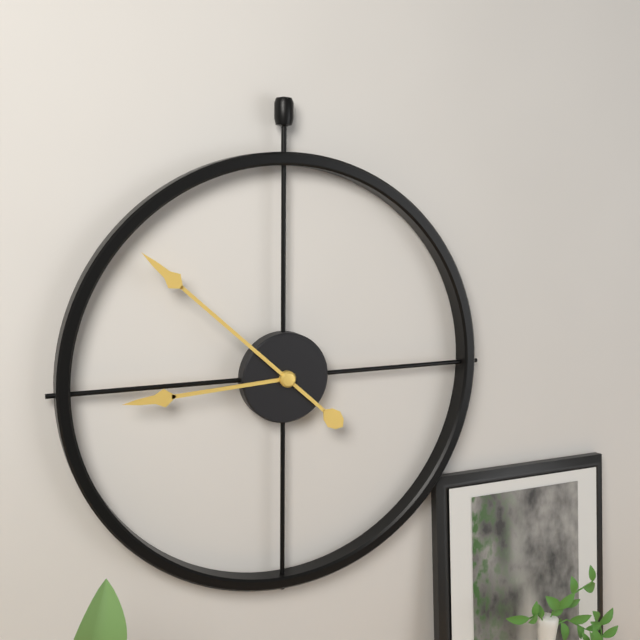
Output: **8:52**
